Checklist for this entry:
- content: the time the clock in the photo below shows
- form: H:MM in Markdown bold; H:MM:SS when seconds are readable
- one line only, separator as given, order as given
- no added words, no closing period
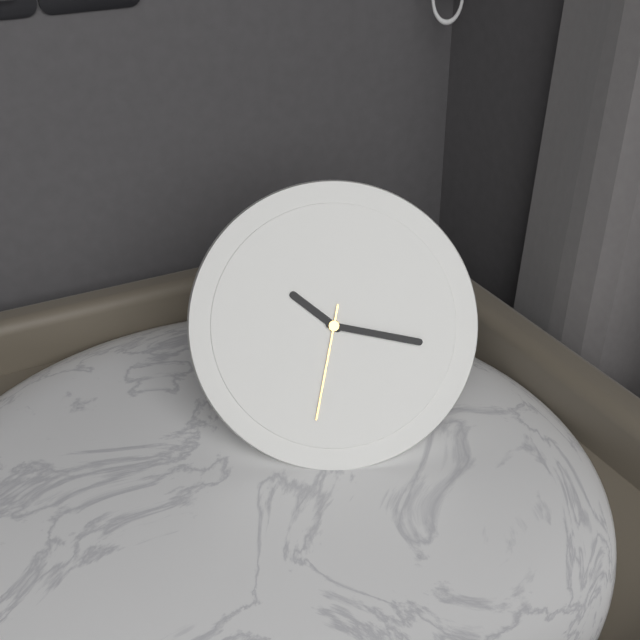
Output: **10:17:32**
